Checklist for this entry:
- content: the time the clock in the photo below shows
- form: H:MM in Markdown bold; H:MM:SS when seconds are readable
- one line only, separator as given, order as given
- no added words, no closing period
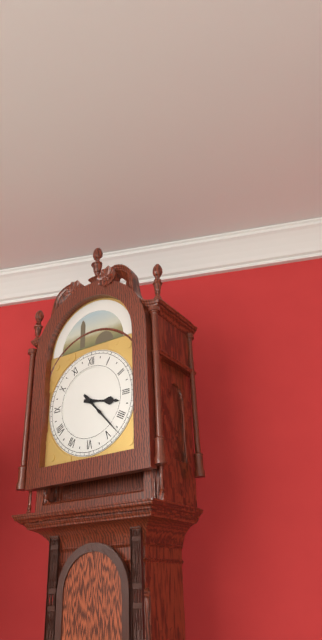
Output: **3:23**
